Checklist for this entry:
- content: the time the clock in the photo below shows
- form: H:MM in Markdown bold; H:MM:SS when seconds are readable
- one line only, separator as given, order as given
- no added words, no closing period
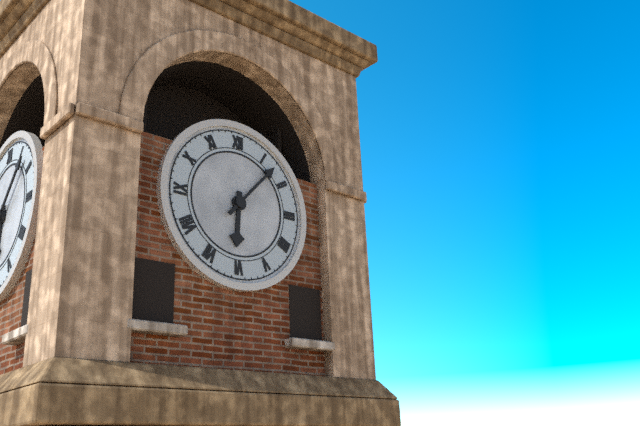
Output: **6:07**
